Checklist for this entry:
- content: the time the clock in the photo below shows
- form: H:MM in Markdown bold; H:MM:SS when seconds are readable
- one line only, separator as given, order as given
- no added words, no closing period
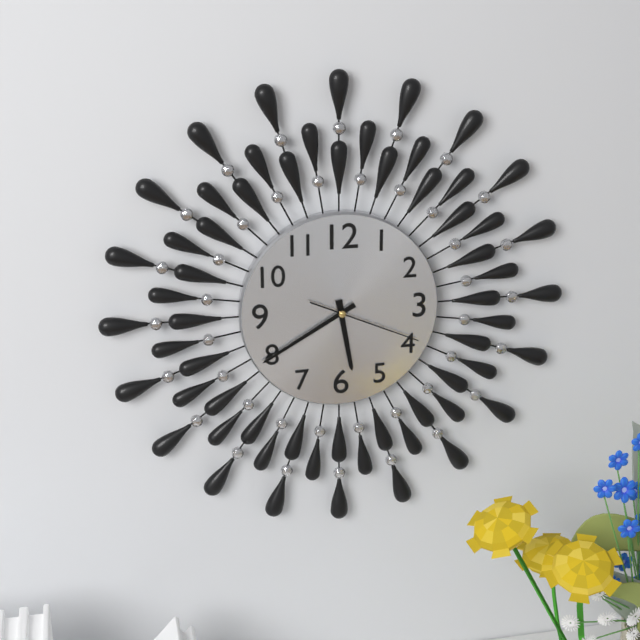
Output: **5:40:19**
